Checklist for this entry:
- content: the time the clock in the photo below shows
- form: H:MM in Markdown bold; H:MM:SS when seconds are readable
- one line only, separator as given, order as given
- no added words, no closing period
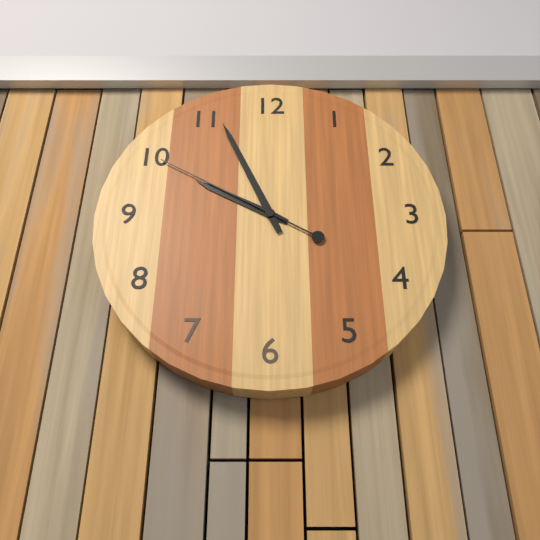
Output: **9:56:50**
